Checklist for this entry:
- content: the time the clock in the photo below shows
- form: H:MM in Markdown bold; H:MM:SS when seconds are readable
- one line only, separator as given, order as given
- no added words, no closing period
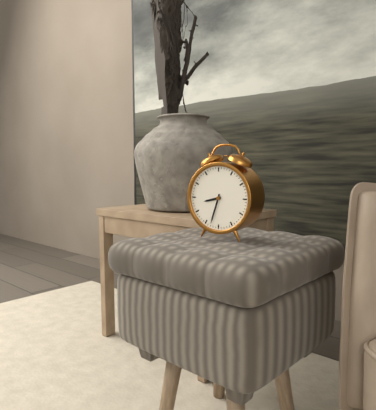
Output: **8:33**
